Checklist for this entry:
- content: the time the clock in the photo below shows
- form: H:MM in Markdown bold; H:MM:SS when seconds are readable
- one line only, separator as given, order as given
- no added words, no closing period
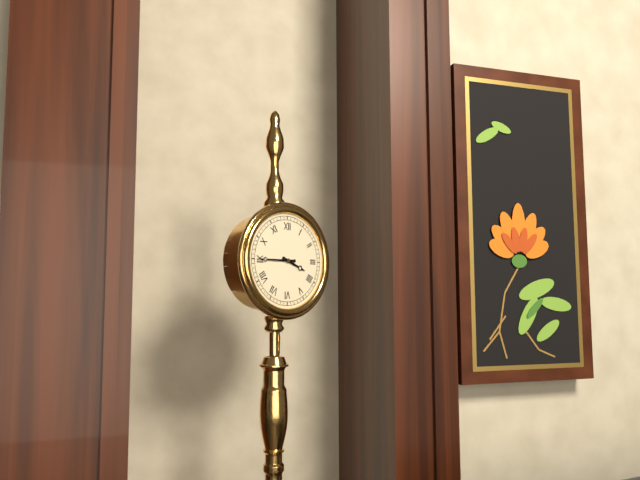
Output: **3:45**
